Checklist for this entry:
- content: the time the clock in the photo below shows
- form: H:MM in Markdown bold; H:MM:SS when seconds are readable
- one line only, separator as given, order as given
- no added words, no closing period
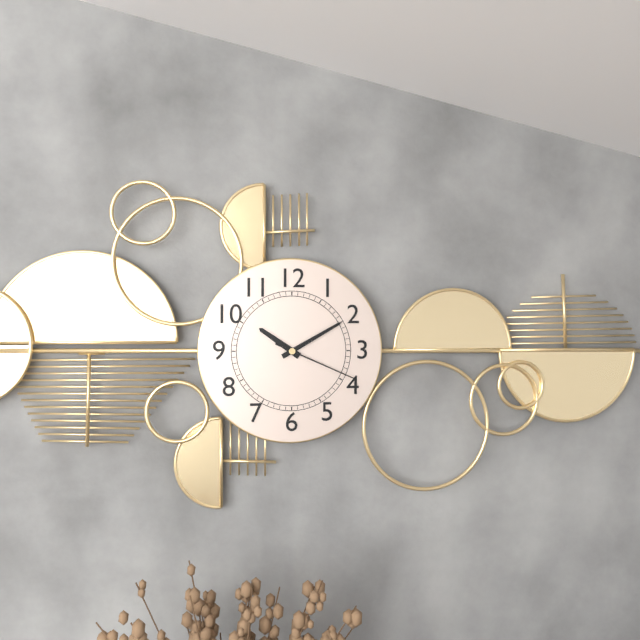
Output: **10:10:19**
